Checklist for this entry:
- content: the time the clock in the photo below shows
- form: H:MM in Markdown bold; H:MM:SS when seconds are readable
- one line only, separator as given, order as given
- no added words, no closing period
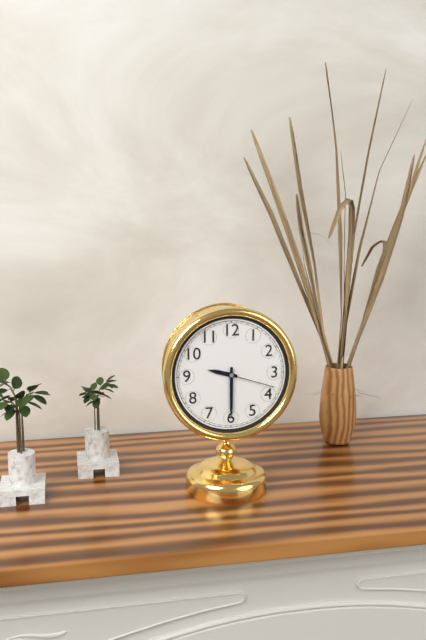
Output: **9:30:18**
